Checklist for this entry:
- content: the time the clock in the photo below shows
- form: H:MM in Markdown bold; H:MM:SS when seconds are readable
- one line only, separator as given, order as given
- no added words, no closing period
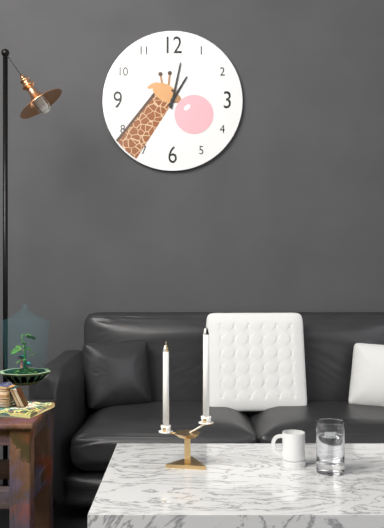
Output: **1:02**
